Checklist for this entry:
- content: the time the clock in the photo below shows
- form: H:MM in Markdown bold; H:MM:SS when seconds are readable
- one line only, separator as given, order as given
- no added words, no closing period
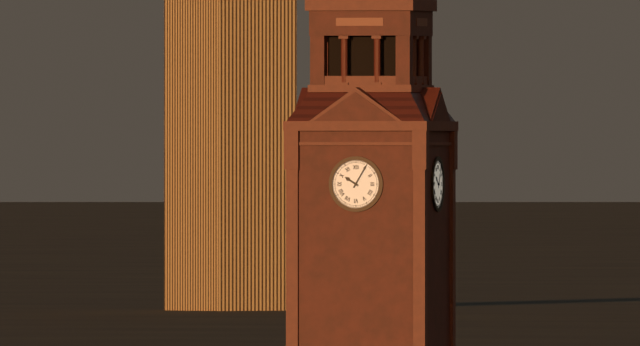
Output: **10:05**
